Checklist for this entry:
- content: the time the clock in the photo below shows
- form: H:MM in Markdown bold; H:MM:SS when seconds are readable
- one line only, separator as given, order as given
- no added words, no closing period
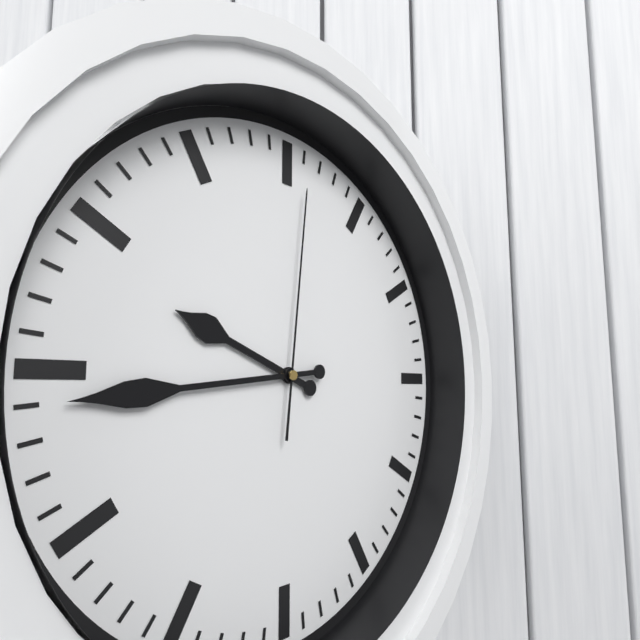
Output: **9:44:01**
